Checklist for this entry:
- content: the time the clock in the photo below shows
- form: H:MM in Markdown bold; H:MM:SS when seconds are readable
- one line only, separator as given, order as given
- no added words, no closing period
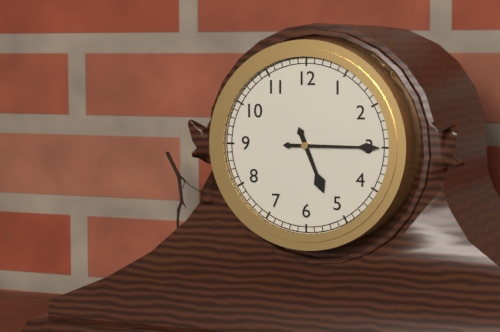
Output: **5:15**
